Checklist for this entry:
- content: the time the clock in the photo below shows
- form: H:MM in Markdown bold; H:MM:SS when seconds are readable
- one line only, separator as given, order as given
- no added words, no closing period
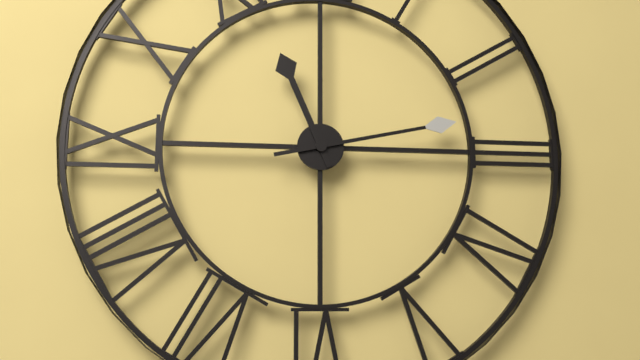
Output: **11:13**
